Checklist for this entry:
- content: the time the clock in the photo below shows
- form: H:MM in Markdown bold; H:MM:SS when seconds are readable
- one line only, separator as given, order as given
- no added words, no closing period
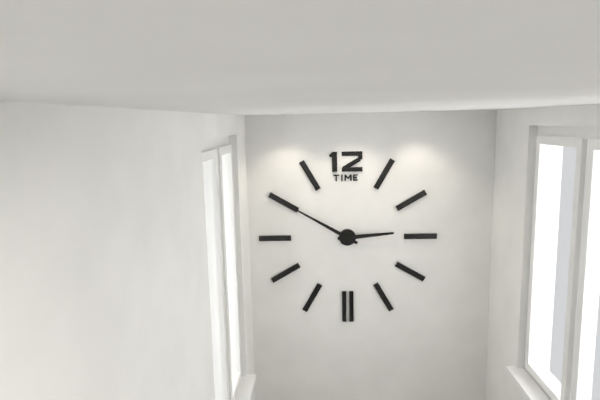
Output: **2:50**
